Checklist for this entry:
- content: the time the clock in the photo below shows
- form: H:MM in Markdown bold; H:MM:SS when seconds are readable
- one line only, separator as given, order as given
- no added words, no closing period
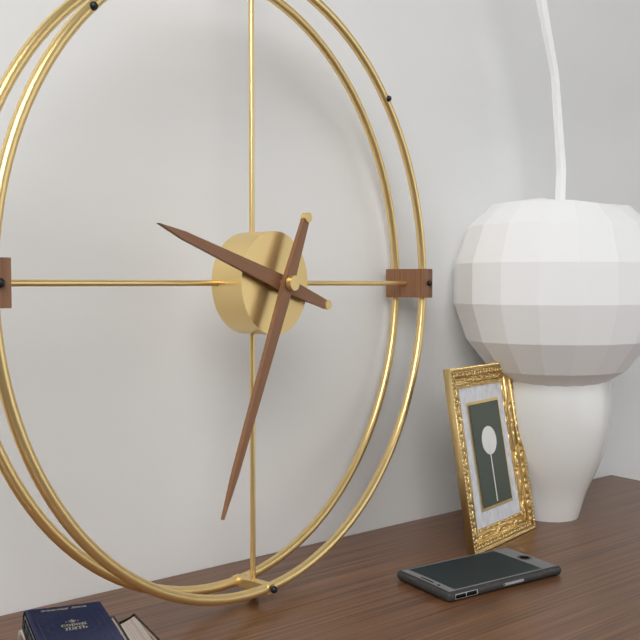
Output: **9:34**
